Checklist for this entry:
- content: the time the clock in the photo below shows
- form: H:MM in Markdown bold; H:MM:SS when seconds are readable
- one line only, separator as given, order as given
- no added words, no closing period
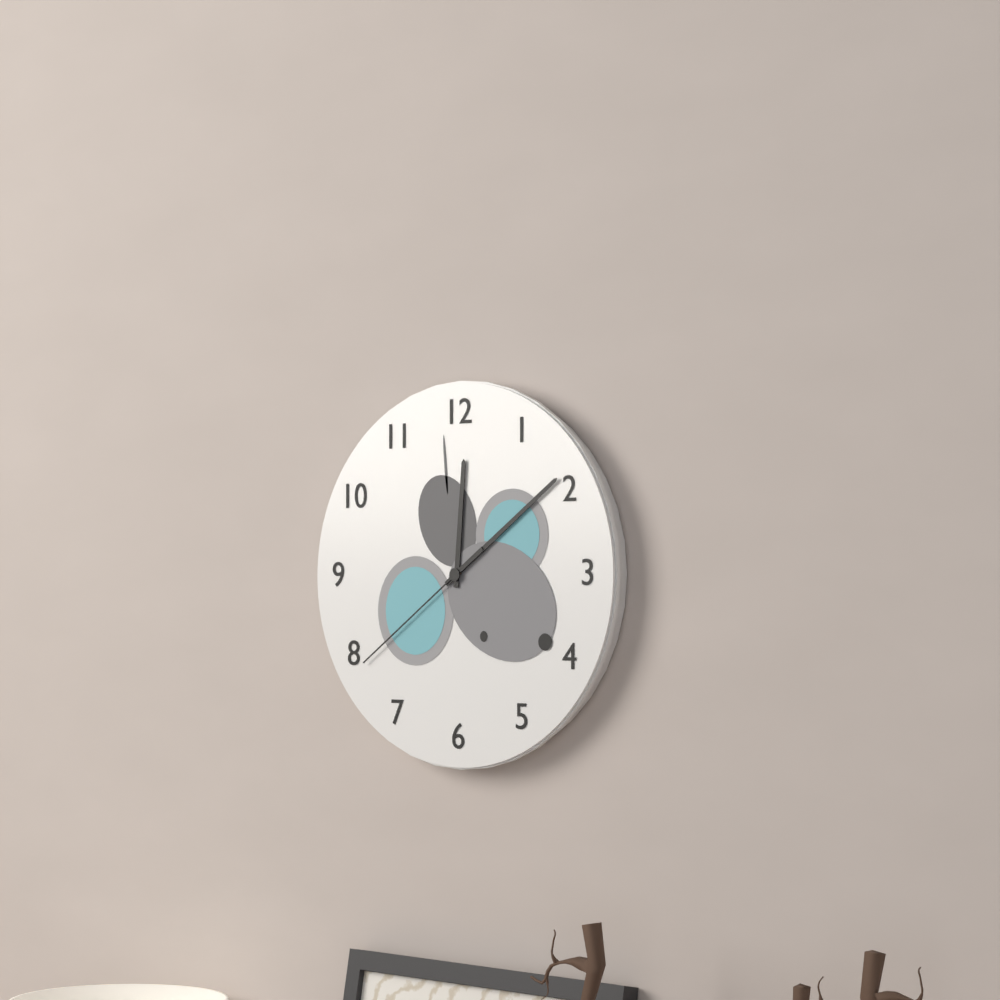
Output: **12:09:39**
